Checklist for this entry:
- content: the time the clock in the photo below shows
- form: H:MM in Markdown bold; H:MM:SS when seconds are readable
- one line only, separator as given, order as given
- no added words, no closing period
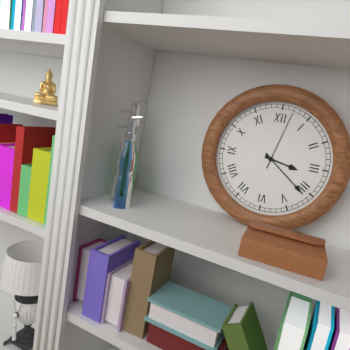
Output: **3:21:02**
